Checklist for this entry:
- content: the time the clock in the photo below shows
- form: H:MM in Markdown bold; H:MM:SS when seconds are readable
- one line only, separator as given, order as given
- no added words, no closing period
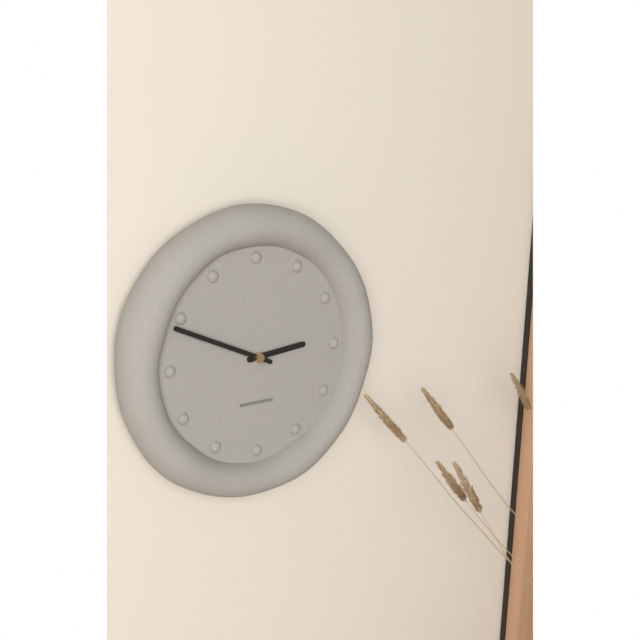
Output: **2:49**
